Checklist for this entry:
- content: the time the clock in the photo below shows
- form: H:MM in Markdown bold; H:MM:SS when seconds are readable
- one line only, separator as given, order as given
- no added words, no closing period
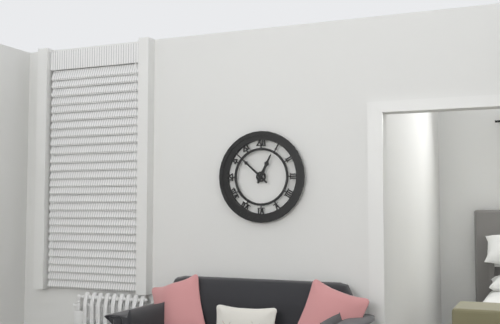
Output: **12:52**
